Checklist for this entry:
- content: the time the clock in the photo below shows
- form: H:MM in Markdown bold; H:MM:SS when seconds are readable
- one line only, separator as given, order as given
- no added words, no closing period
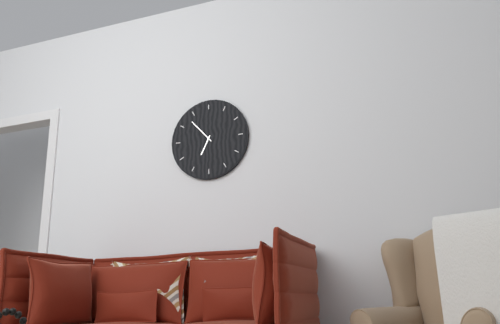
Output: **6:53**
